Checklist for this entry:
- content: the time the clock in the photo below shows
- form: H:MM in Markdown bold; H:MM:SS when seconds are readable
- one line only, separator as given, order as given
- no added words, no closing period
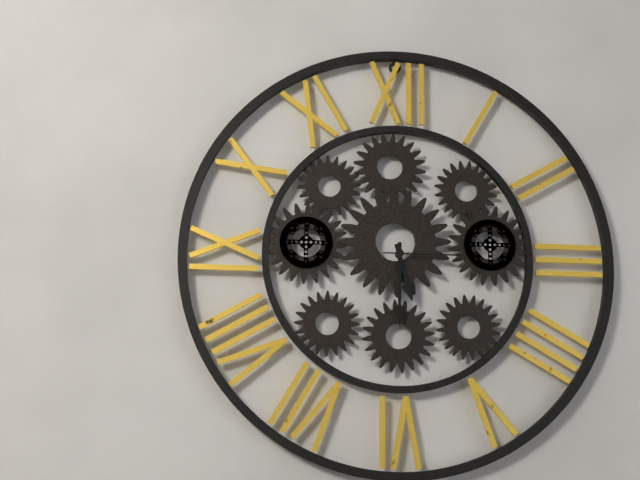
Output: **5:30:15**
